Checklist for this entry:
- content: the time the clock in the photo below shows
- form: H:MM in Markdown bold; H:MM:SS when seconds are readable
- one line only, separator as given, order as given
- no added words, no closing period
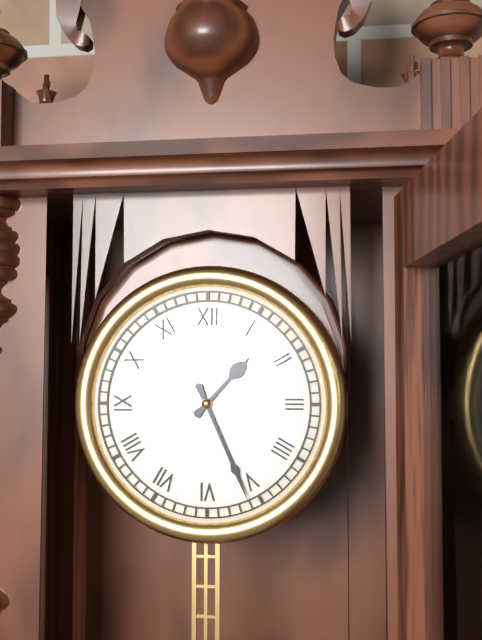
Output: **1:26**
